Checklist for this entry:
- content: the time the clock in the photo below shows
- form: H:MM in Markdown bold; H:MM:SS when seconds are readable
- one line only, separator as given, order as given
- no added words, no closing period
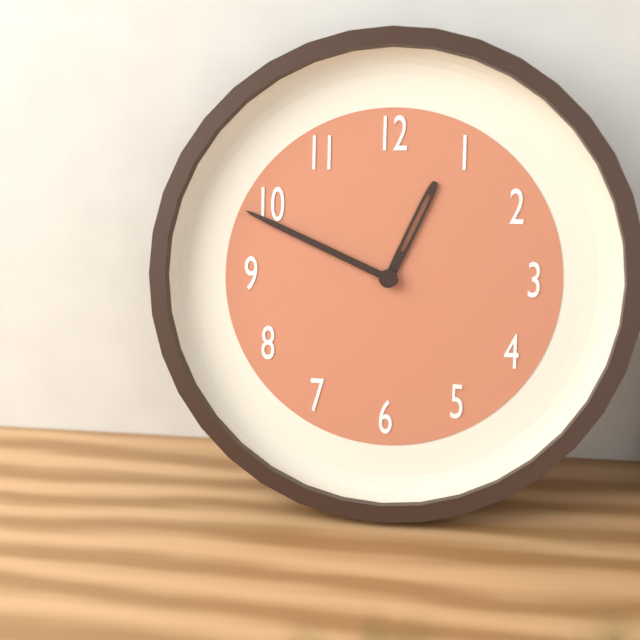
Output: **12:49**
